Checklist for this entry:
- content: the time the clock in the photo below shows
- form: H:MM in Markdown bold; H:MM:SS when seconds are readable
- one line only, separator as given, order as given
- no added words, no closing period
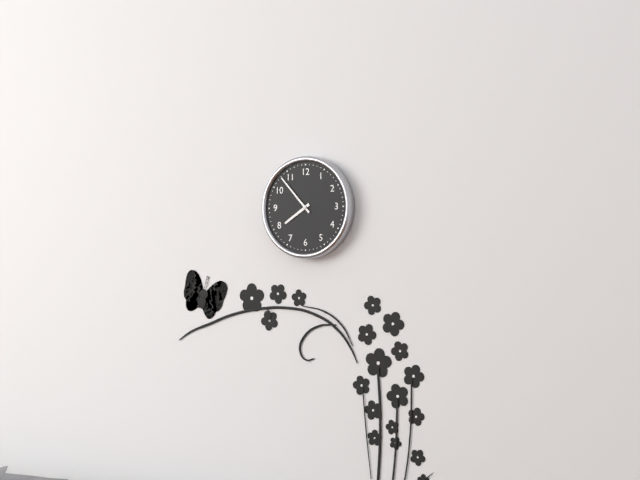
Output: **7:53**
